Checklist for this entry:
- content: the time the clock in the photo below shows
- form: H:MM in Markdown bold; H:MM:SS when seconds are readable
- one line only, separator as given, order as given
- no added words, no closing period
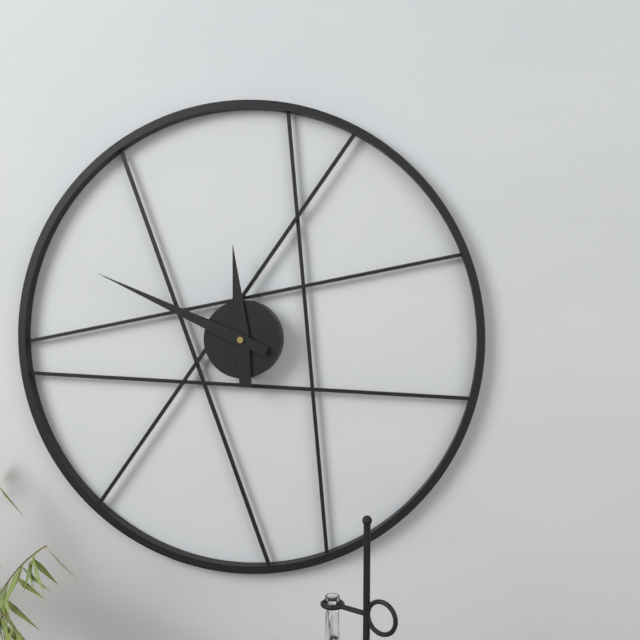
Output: **11:49**
